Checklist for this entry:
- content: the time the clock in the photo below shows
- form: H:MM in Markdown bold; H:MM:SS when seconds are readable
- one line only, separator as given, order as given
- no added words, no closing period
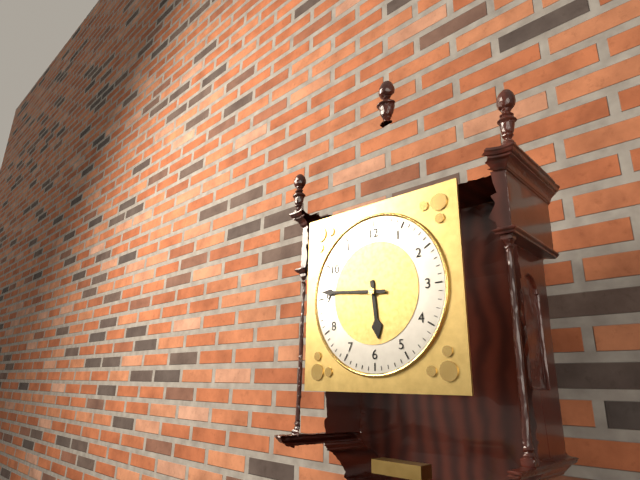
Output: **5:46**
